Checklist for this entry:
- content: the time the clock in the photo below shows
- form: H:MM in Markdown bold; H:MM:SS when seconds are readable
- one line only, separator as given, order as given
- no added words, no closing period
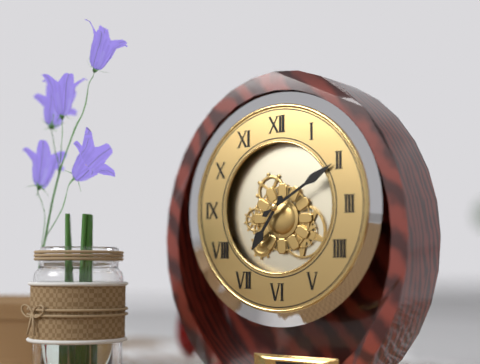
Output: **7:10**
